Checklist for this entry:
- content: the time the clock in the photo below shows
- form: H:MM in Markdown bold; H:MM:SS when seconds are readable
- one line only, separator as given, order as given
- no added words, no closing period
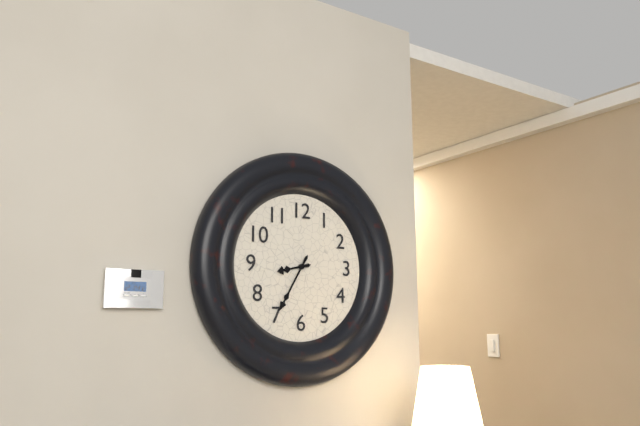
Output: **8:35**
